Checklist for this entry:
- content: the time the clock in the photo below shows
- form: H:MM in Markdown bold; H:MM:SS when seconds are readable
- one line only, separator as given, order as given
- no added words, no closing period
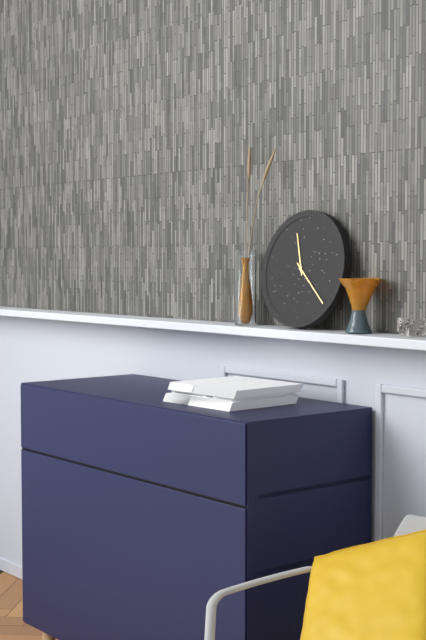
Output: **11:22**
